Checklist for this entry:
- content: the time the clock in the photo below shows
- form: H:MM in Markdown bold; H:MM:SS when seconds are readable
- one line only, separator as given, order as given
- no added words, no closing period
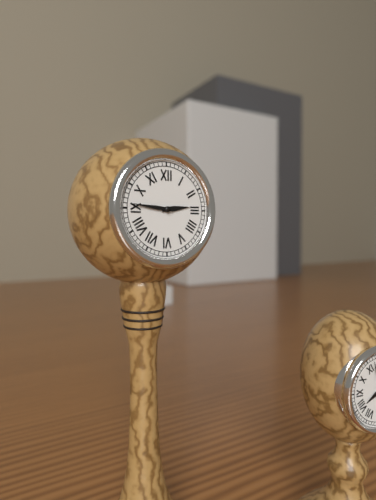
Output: **2:46**
